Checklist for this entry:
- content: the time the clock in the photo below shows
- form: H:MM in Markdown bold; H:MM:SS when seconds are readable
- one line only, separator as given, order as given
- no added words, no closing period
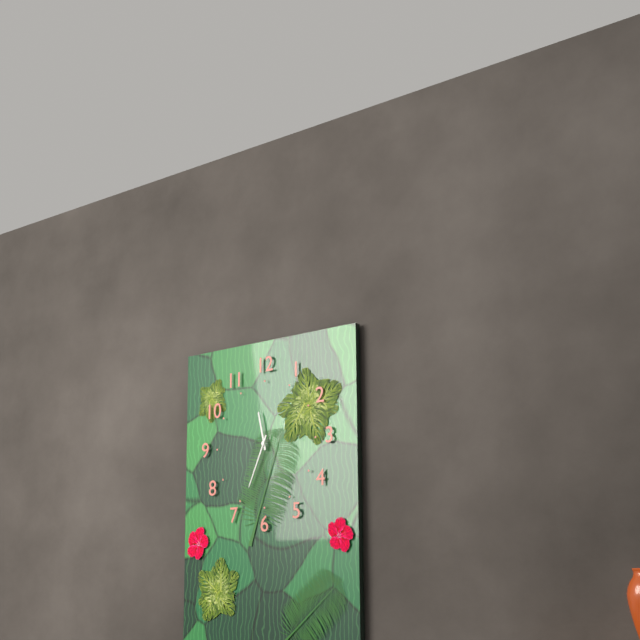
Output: **11:34**
